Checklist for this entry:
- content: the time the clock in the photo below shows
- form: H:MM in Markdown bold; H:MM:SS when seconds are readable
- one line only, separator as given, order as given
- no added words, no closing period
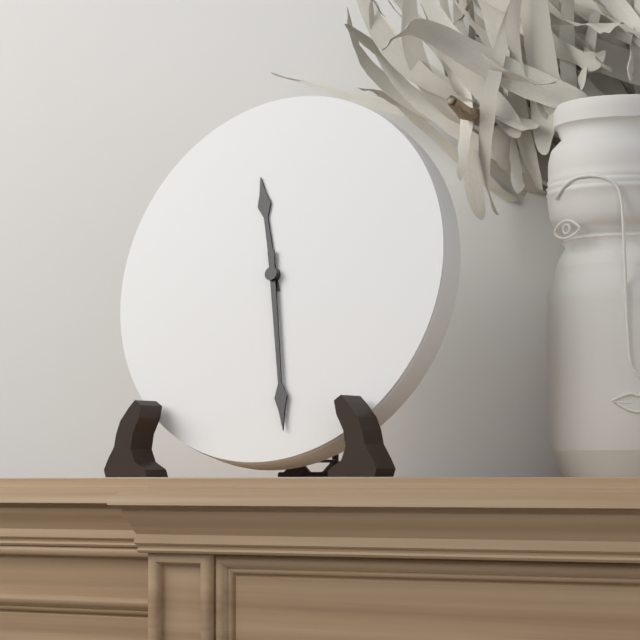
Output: **11:28**
